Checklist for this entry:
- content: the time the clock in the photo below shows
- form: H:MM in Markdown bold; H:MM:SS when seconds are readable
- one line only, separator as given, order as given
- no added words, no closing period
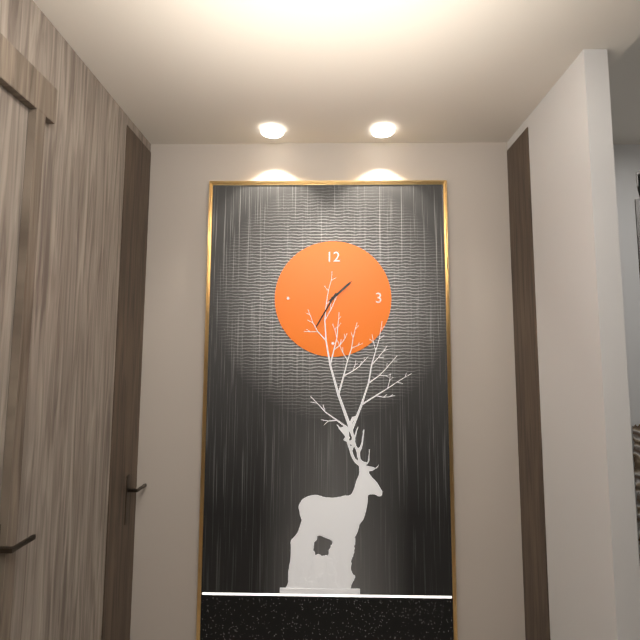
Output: **1:35**
